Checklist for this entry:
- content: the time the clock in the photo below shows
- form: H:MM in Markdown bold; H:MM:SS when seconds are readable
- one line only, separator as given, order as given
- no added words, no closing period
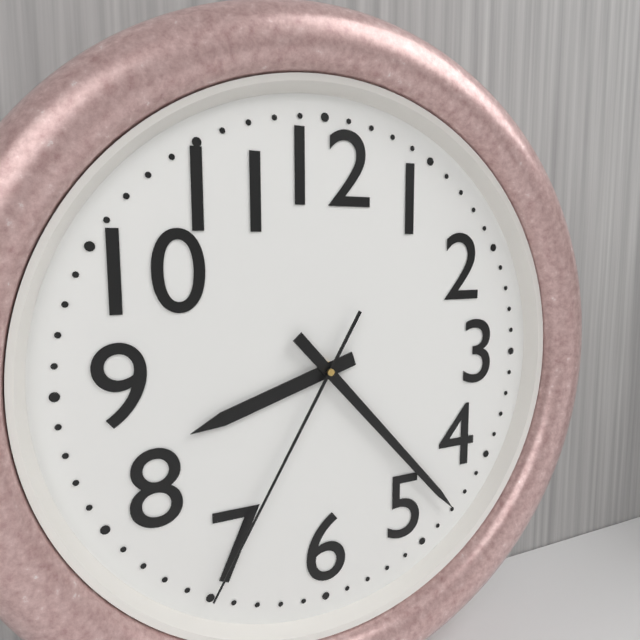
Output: **8:23:35**
